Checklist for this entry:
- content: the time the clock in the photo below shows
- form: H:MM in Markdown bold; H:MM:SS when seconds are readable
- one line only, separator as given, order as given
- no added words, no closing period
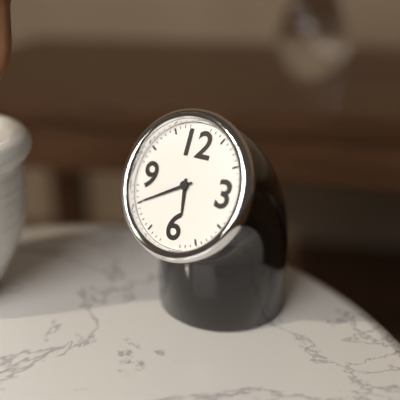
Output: **5:40**
